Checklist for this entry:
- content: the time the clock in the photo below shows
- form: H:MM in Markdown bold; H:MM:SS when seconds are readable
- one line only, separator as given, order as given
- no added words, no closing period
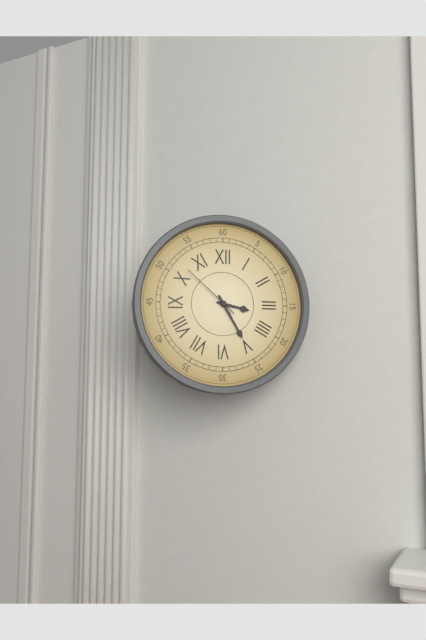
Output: **3:25:52**
